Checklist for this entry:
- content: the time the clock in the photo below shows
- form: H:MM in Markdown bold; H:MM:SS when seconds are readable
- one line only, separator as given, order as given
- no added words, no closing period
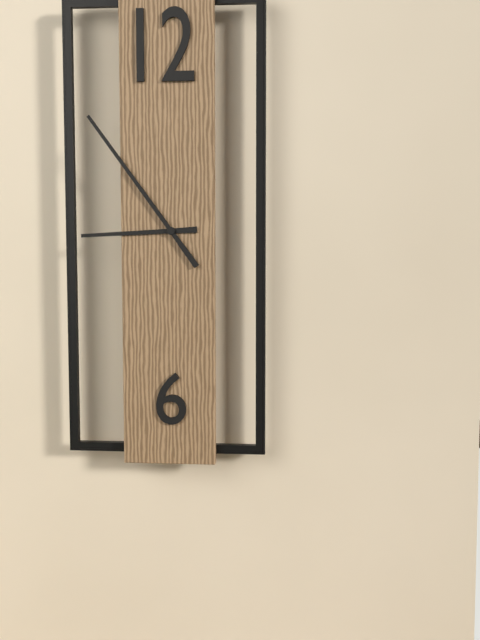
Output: **8:54**
